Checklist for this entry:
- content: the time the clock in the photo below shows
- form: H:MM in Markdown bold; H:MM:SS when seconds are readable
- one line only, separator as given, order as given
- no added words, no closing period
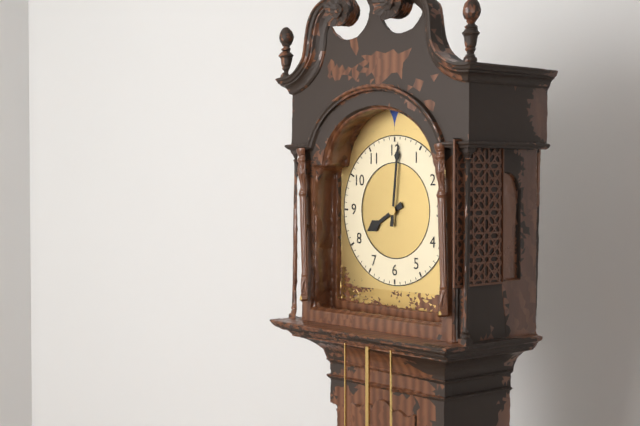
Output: **8:01**
